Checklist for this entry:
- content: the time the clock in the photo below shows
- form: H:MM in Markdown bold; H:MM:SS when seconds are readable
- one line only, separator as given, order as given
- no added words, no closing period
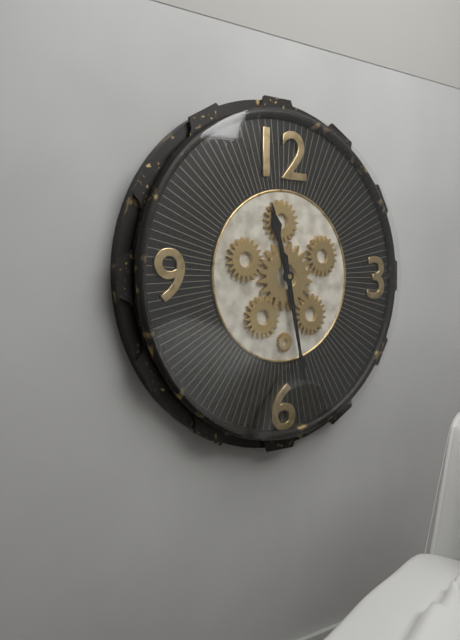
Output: **11:28**
